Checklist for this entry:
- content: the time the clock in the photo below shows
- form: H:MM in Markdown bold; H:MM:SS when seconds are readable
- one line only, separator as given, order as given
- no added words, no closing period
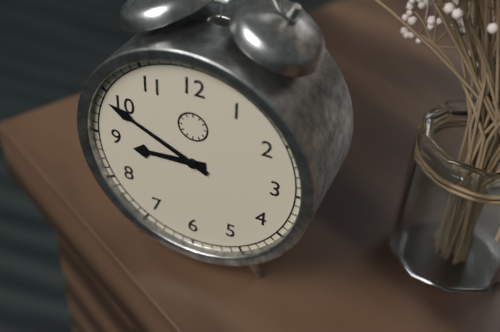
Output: **8:49**
